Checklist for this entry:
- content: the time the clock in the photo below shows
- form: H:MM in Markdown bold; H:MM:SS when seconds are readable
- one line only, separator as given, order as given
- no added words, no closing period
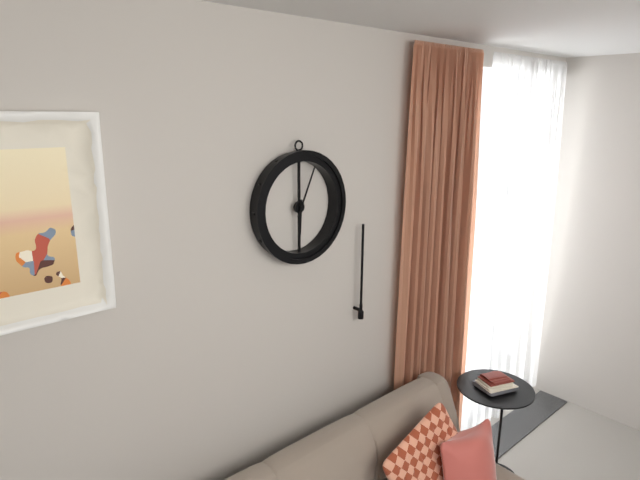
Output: **6:04**
